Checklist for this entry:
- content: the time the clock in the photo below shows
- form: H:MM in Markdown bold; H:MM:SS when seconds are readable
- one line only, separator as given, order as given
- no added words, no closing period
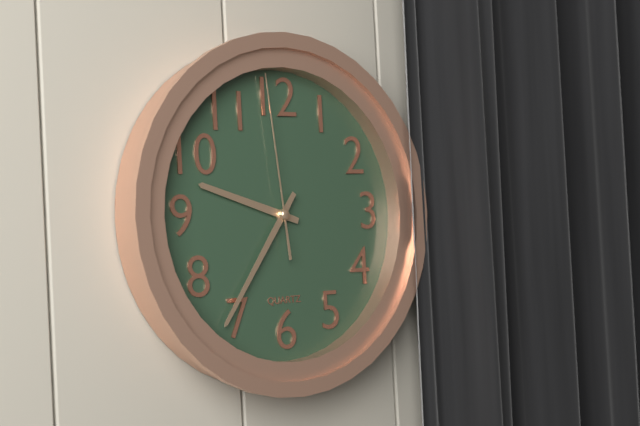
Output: **9:36:59**
